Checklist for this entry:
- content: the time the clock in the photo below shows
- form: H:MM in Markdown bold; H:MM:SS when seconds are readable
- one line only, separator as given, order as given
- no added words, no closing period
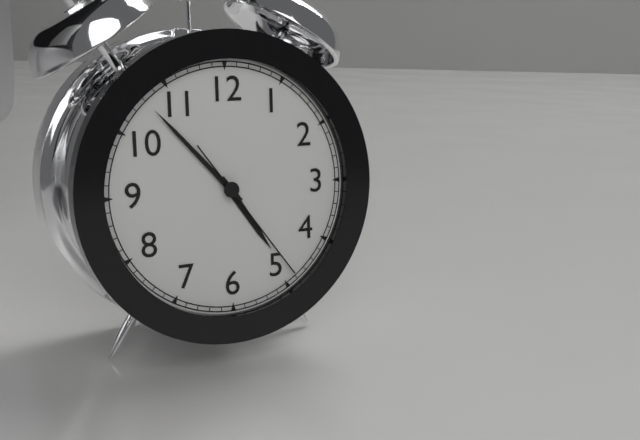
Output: **4:53:24**
